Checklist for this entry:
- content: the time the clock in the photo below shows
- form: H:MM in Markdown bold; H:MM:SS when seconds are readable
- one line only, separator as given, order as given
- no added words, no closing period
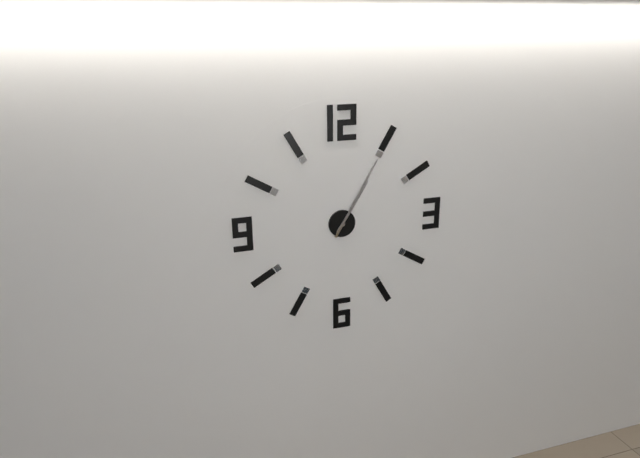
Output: **1:05**
